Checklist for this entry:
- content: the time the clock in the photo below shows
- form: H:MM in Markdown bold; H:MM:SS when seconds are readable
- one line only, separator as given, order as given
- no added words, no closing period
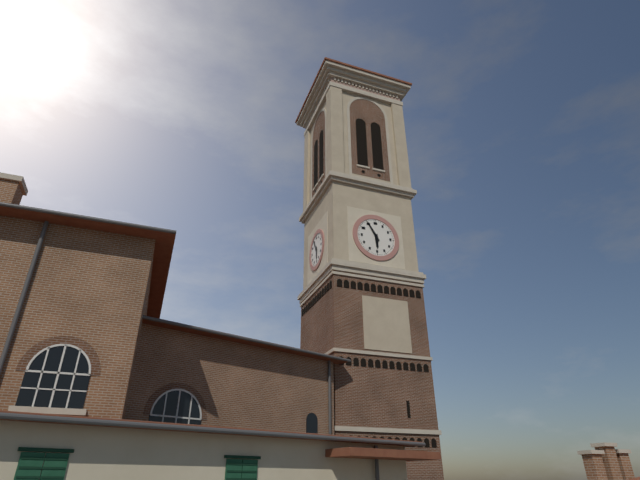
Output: **5:55**
